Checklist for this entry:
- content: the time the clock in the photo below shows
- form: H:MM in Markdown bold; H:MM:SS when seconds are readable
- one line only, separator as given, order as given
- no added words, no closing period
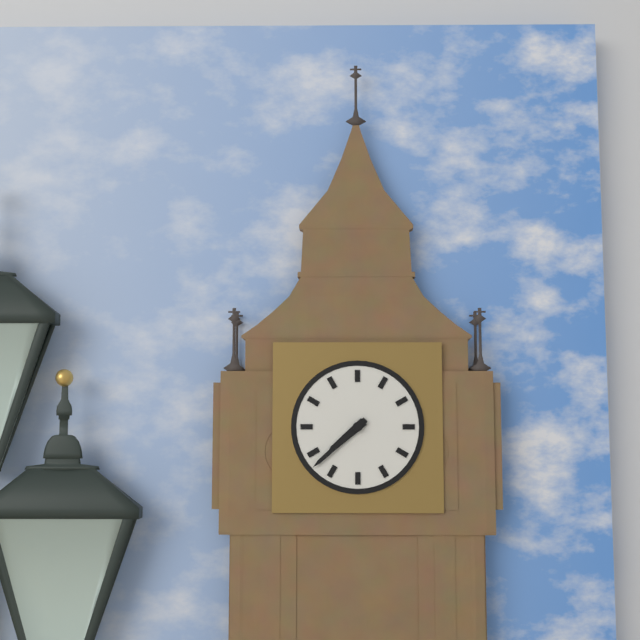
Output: **7:38**
